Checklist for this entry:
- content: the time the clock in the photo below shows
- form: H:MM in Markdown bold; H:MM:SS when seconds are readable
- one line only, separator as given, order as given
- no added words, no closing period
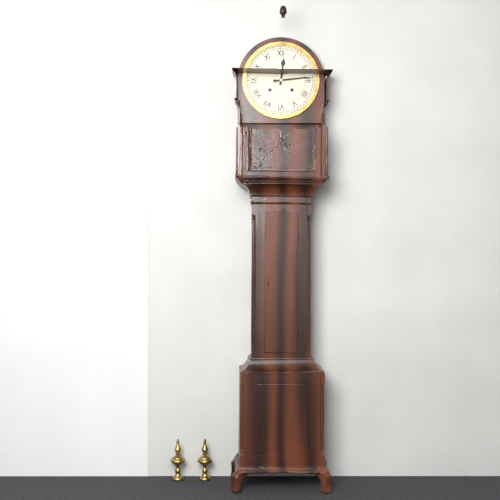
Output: **12:14**
